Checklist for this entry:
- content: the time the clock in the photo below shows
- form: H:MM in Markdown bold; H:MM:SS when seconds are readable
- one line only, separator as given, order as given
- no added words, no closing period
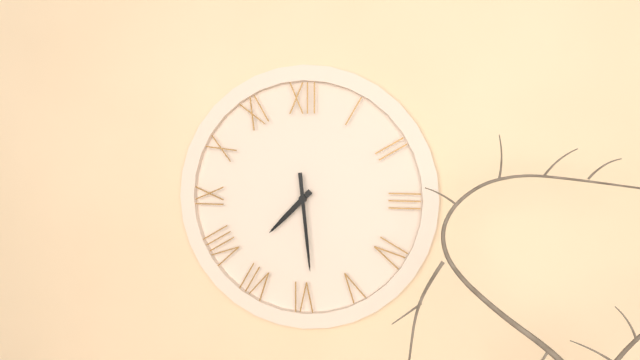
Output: **7:29**
